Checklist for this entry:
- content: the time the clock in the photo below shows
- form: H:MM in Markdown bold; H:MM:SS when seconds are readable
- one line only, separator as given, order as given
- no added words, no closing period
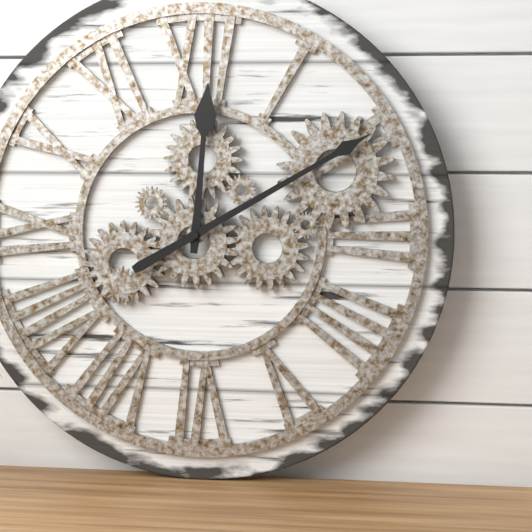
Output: **12:10**
